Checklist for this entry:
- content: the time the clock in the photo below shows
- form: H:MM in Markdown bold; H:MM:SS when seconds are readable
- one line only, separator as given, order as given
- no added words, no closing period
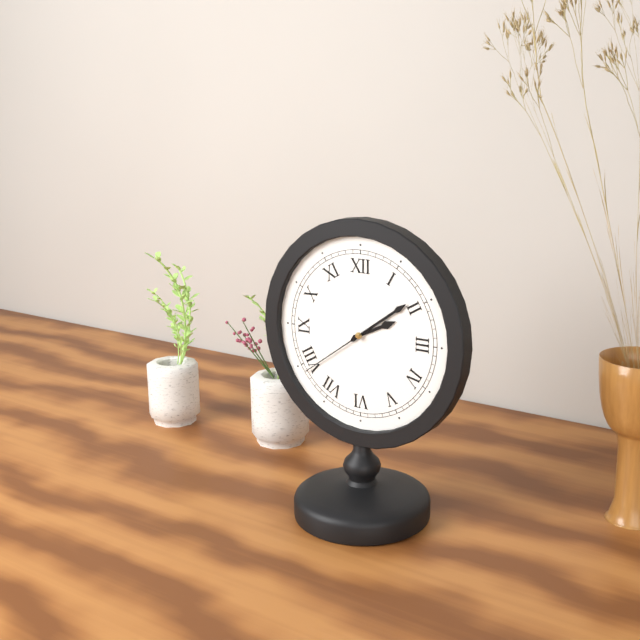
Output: **2:09:39**
